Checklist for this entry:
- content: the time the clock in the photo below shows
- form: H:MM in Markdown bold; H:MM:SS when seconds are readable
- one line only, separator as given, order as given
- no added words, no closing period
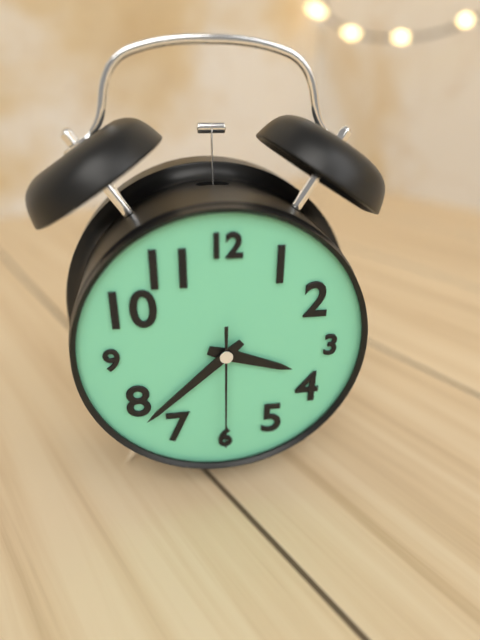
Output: **3:38:30**
